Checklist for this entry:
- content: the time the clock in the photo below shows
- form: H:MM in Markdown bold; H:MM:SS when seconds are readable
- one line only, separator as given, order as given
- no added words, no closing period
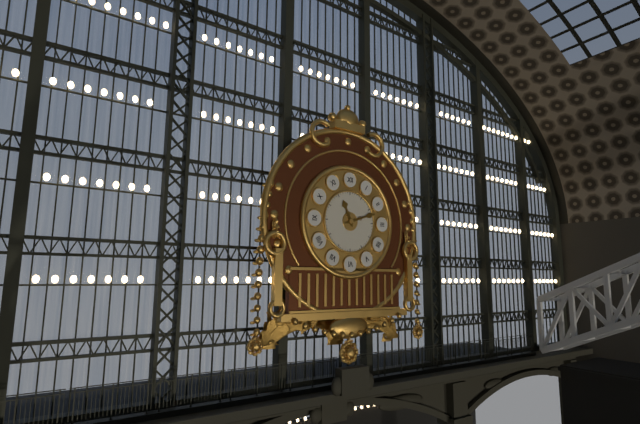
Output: **11:12**
